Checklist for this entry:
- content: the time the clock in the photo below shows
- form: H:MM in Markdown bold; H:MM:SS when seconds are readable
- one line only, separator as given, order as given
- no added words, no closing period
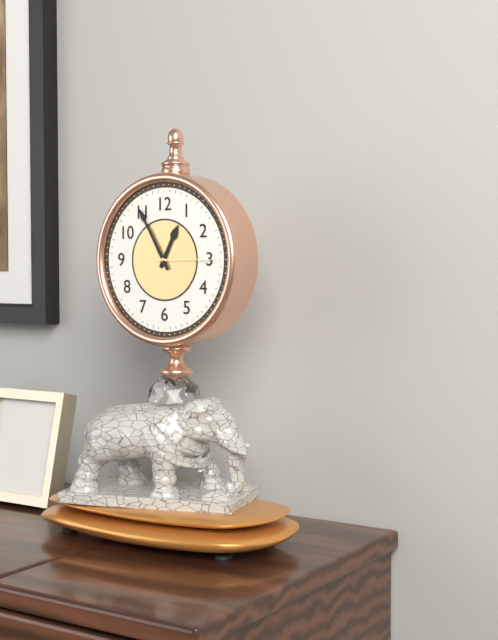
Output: **12:55:15**
